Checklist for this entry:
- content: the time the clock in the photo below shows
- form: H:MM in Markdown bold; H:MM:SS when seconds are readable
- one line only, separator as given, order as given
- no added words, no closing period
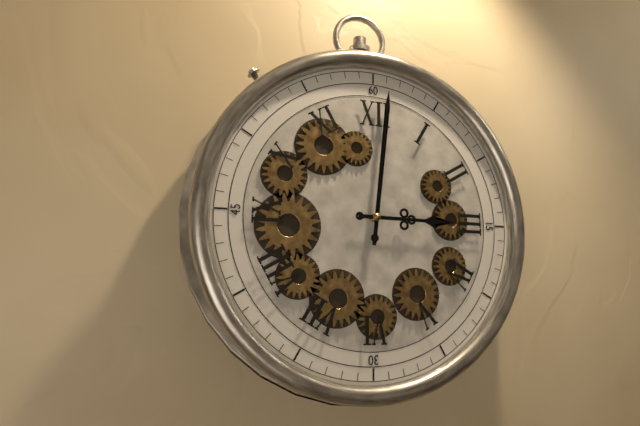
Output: **3:01**
